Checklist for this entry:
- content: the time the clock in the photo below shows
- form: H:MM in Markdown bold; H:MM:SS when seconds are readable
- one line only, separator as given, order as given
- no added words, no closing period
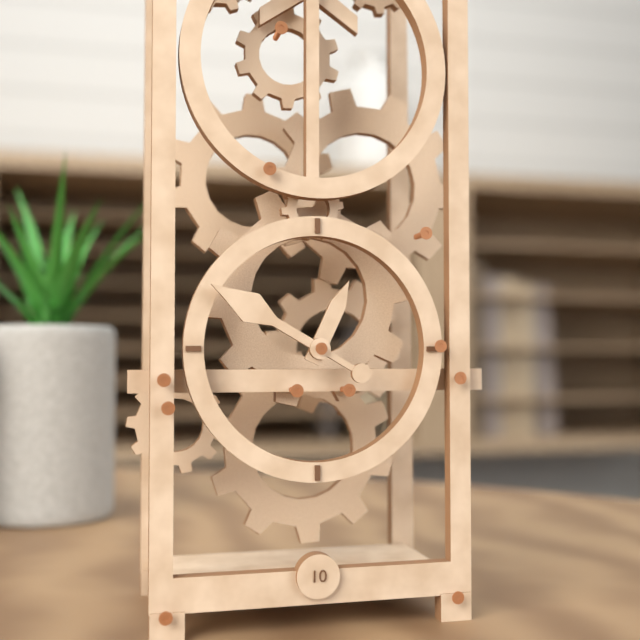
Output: **12:50**
